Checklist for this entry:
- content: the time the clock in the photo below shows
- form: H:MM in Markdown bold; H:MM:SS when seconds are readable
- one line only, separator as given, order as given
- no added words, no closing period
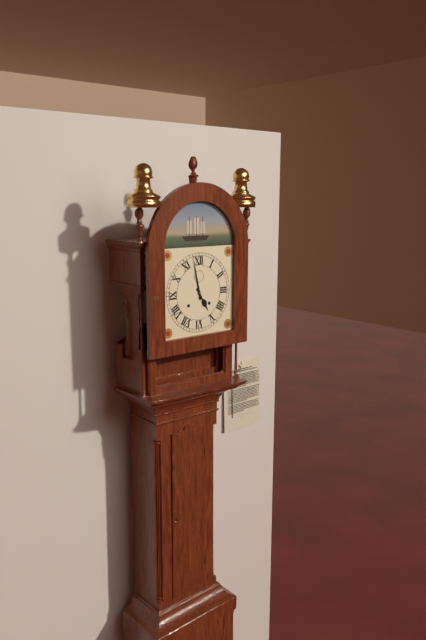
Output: **4:58**
